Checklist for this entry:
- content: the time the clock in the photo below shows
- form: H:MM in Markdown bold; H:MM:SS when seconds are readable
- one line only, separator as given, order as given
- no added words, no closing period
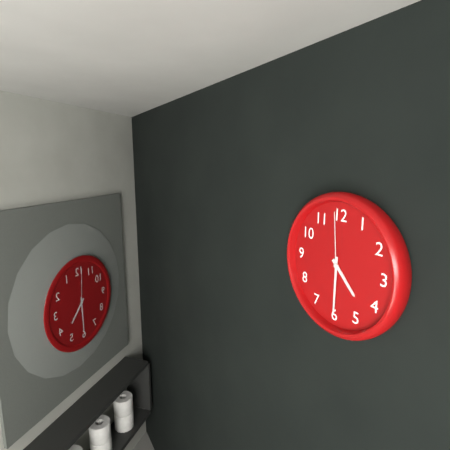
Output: **4:30:59**
